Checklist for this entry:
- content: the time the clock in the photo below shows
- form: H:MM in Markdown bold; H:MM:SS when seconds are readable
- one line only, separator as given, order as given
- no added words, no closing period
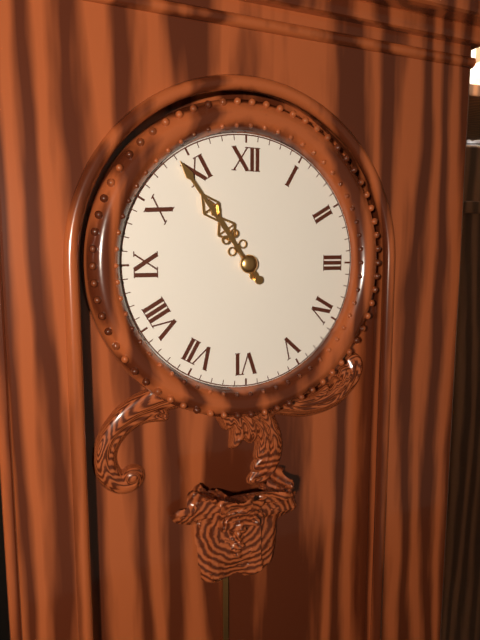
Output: **10:54**
